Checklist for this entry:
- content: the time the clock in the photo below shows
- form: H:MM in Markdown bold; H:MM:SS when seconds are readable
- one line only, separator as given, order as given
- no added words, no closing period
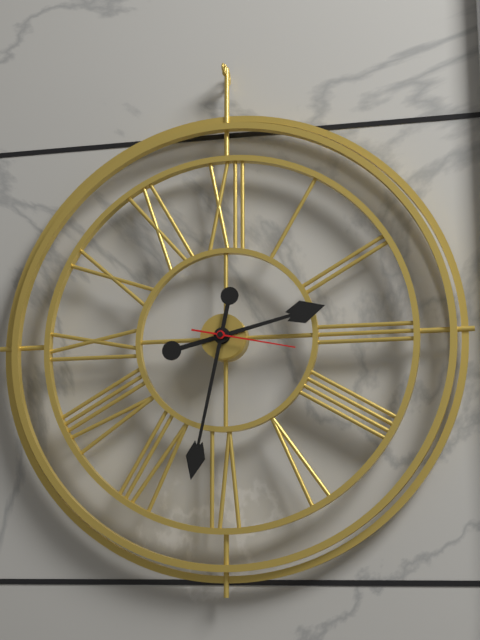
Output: **2:32:17**
